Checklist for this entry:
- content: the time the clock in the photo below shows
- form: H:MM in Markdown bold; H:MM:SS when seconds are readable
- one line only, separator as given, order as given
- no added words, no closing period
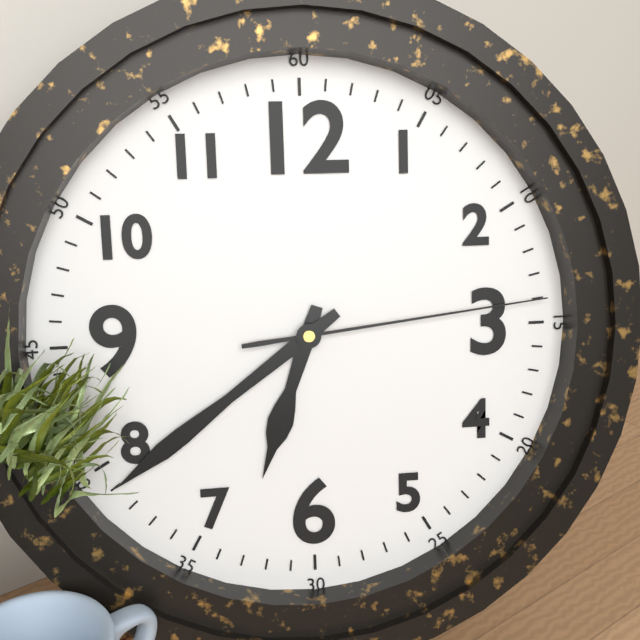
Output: **6:39:14**
